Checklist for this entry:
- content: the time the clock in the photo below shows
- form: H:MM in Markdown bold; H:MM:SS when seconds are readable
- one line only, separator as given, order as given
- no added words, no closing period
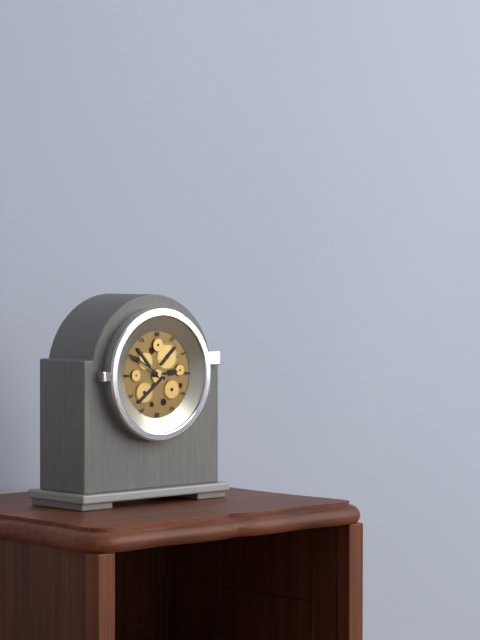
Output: **2:50**
